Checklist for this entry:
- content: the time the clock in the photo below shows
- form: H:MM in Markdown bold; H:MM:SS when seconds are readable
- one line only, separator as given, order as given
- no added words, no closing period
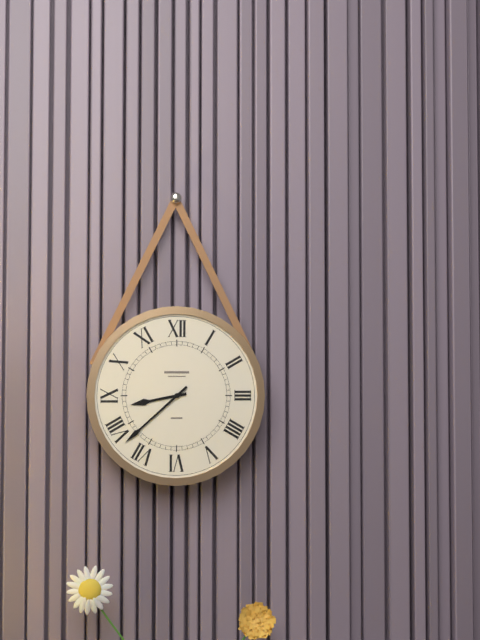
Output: **8:38**
